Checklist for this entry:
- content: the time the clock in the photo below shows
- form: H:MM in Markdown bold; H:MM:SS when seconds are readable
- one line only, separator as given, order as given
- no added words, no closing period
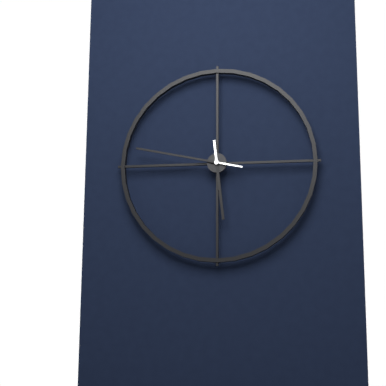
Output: **5:47**
